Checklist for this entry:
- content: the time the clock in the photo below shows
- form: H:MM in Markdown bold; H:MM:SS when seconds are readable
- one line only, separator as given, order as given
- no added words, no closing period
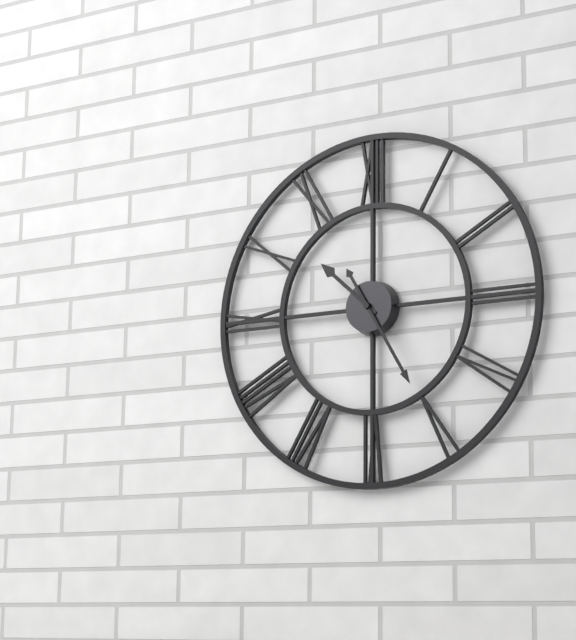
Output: **10:25**
